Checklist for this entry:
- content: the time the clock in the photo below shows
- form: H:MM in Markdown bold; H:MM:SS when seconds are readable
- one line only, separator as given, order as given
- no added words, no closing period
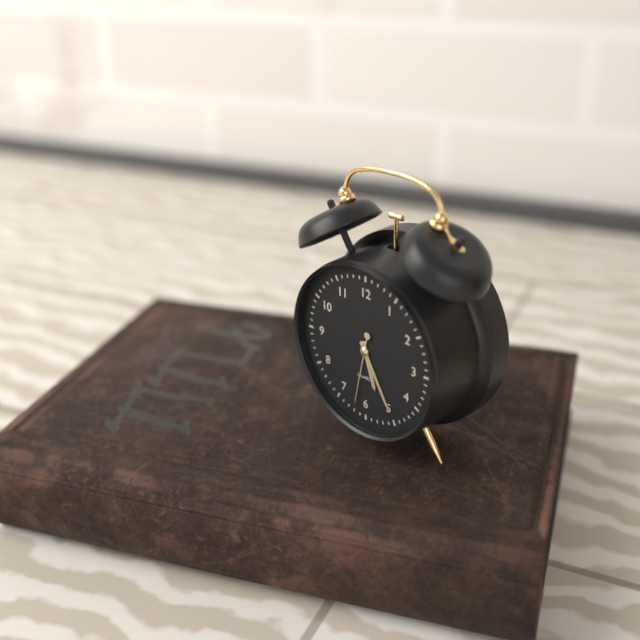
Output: **5:25:32**
